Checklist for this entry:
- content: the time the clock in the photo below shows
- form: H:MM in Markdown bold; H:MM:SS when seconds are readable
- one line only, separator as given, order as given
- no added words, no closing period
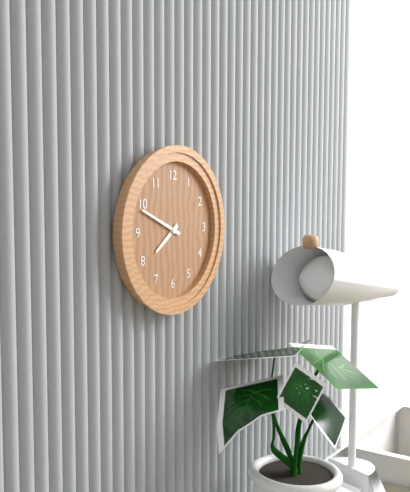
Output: **7:49**
